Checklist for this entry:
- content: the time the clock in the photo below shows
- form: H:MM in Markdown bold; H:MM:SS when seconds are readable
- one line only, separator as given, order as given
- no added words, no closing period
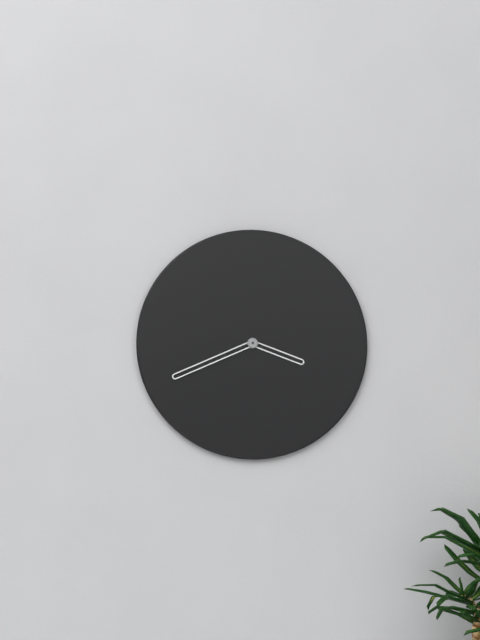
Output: **3:41**
